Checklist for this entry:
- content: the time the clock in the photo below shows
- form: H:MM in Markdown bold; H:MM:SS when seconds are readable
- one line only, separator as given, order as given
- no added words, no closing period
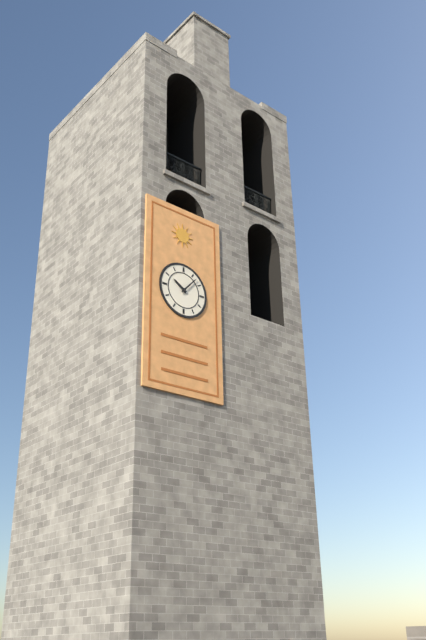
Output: **10:07**
